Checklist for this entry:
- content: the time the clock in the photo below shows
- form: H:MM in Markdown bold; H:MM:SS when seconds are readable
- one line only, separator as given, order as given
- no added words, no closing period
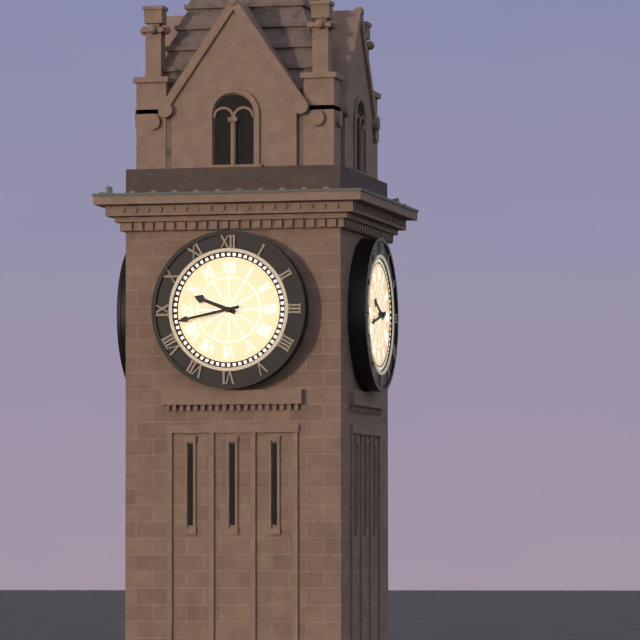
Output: **9:43**
